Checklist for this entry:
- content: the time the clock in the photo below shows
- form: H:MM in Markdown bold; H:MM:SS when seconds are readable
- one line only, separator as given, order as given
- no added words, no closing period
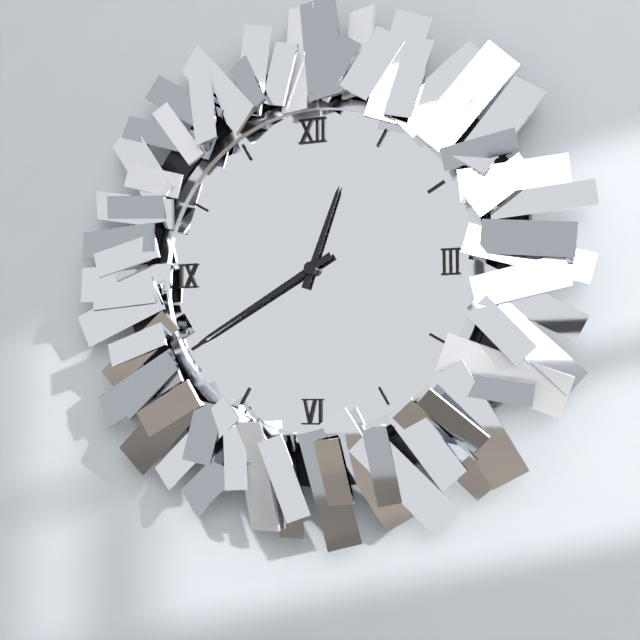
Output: **12:40**
